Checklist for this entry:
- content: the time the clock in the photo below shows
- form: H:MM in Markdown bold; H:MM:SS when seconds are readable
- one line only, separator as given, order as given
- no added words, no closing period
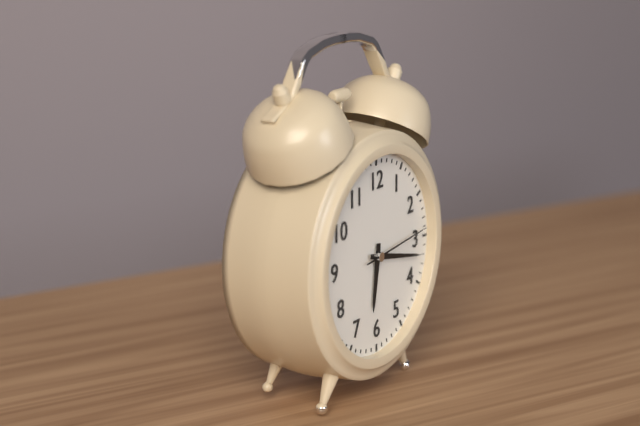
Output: **6:17:14**
